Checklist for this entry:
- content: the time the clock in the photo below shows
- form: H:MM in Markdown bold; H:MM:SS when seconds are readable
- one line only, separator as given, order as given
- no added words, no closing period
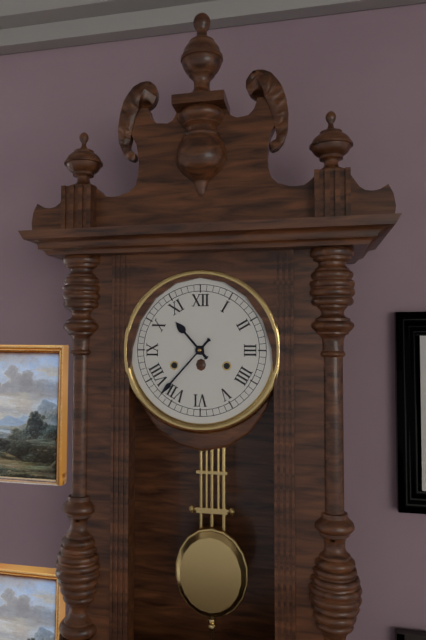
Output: **10:37**
